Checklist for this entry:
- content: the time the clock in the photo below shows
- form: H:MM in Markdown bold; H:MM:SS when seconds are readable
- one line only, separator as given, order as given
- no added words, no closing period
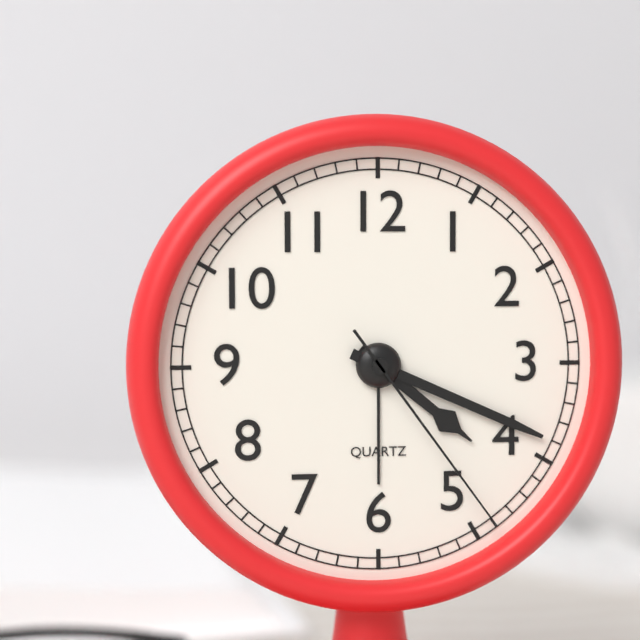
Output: **4:19:24**
